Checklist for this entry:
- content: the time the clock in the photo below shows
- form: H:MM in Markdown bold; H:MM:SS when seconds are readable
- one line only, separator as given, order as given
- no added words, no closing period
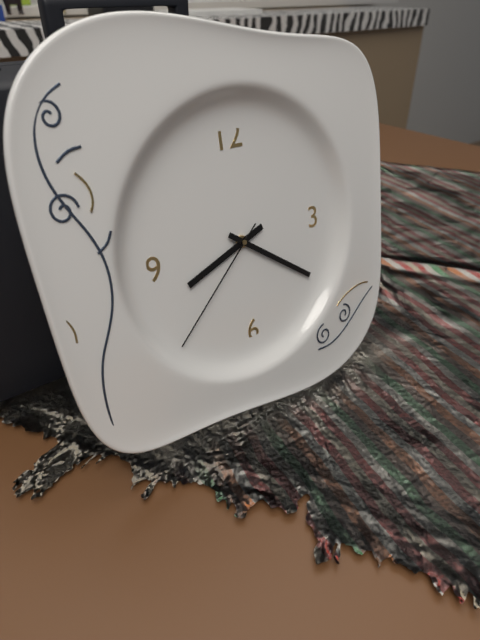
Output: **8:21:38**
